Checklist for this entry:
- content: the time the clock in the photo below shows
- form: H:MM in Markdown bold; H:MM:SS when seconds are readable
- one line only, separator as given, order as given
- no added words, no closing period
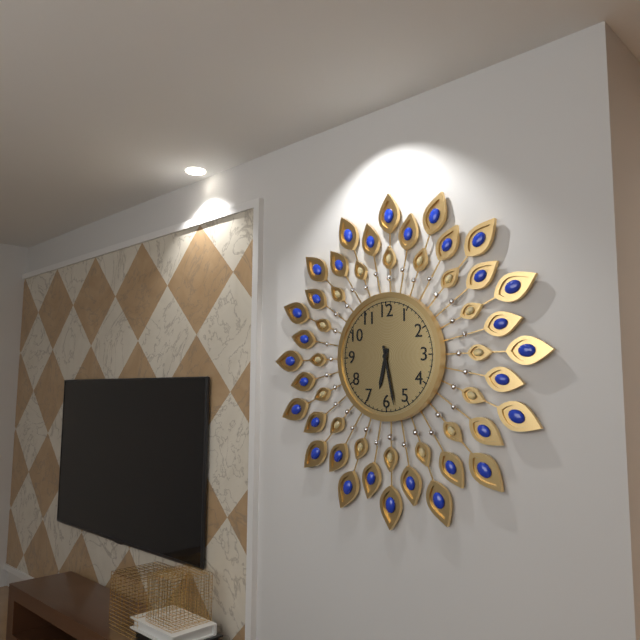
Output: **6:28**
